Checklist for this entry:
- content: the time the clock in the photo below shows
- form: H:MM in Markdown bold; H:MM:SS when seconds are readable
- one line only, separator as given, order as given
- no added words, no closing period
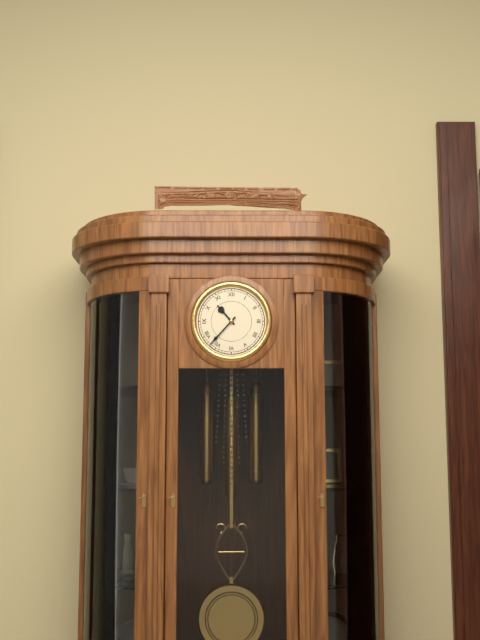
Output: **10:37**
